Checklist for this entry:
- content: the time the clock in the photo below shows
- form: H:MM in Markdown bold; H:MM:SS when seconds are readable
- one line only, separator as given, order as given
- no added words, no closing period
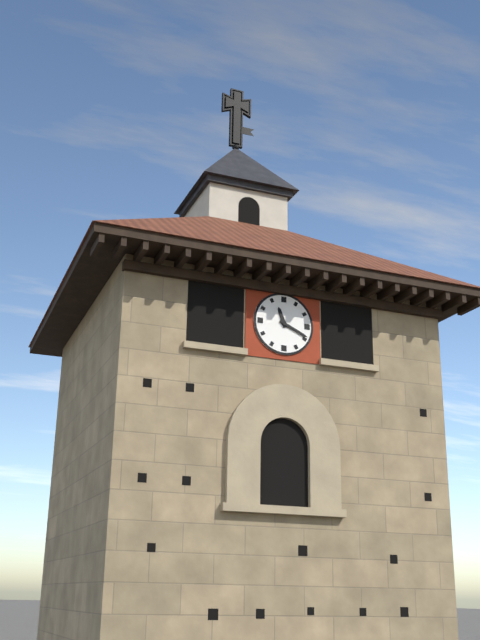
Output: **11:19**
